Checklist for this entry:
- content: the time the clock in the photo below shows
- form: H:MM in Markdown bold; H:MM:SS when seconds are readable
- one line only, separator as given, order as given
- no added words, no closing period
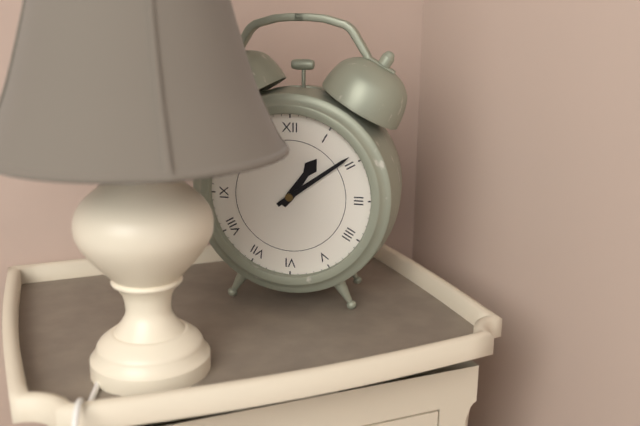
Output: **1:09**
